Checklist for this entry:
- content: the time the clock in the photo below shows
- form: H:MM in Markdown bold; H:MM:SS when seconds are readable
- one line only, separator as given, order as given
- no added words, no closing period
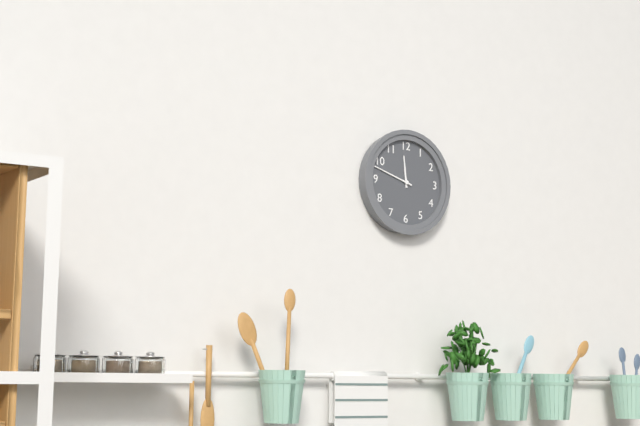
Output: **11:48**
